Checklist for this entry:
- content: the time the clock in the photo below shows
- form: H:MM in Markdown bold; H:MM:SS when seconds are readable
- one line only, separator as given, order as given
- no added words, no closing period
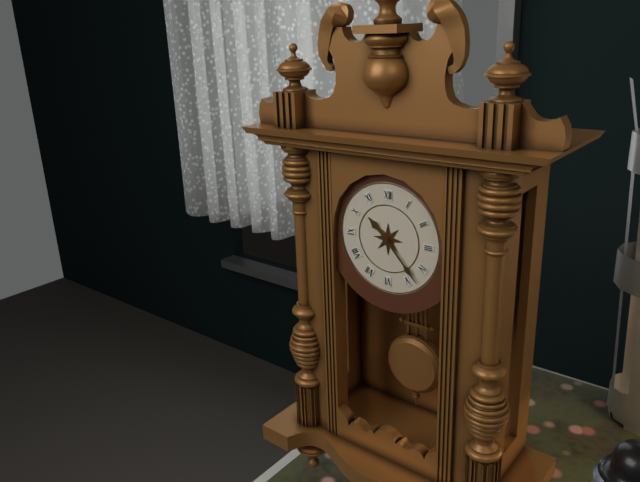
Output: **10:23**
